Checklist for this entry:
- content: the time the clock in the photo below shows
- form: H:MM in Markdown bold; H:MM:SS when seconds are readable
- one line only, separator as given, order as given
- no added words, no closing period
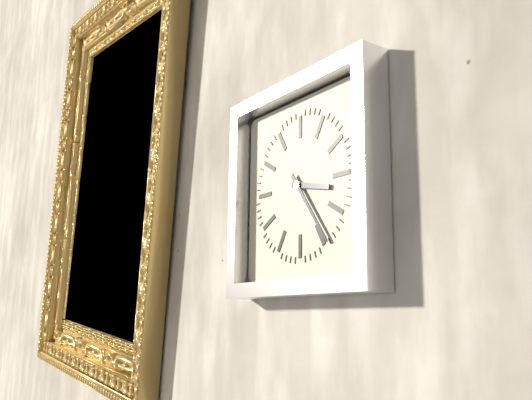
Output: **3:24**
